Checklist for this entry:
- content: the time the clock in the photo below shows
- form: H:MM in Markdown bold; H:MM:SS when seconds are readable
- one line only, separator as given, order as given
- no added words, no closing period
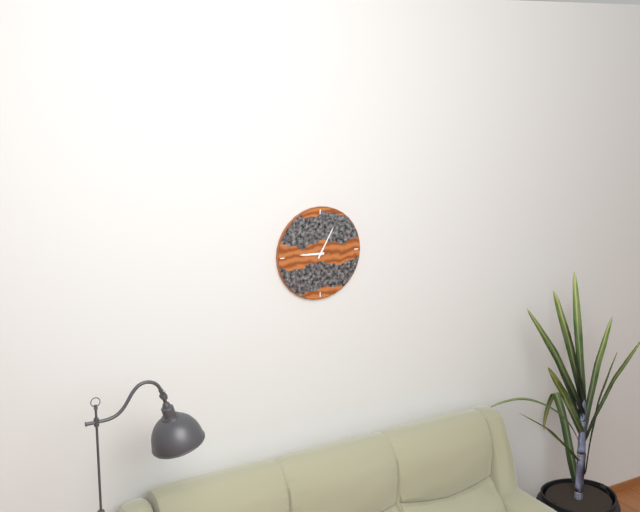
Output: **9:05**
